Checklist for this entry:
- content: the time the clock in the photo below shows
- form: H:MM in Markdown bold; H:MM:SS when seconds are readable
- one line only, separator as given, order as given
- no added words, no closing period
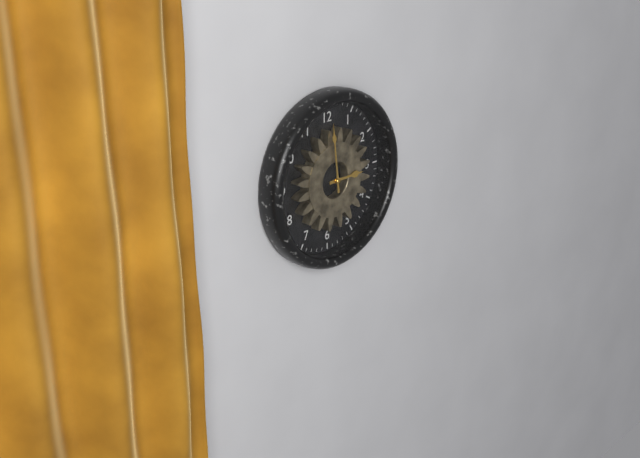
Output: **2:59**
